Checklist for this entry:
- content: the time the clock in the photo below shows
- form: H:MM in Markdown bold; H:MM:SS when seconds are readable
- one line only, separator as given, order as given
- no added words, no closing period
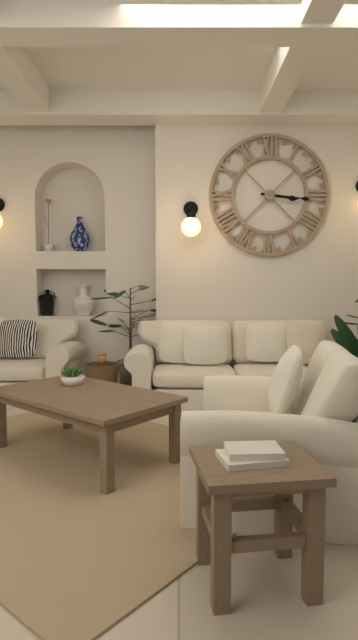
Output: **3:16**
